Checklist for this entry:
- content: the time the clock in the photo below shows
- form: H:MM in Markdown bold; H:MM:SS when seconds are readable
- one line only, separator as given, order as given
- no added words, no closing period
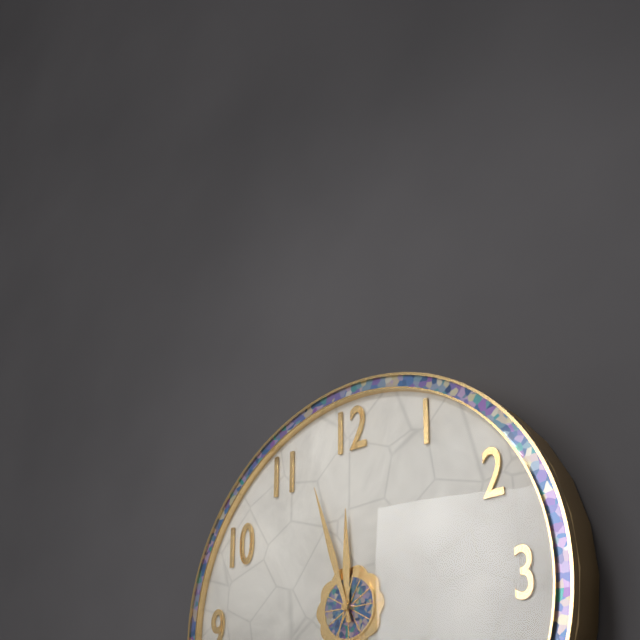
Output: **11:57**
